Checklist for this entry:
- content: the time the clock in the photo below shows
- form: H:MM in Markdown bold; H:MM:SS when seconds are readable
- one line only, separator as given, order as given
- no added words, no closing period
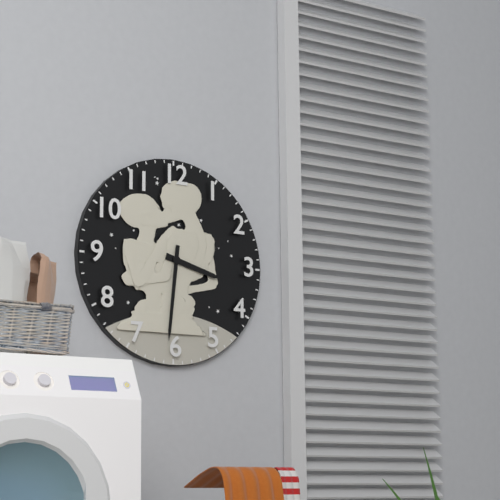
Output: **3:31**
